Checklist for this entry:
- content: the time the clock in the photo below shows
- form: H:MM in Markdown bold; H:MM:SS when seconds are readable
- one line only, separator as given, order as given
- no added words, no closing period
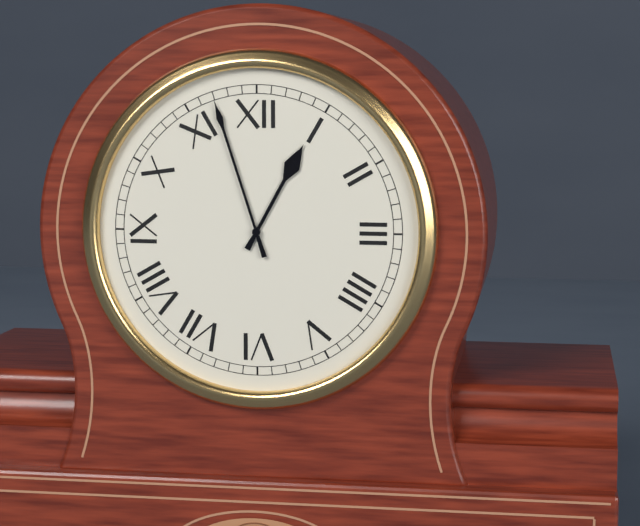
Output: **12:57**
